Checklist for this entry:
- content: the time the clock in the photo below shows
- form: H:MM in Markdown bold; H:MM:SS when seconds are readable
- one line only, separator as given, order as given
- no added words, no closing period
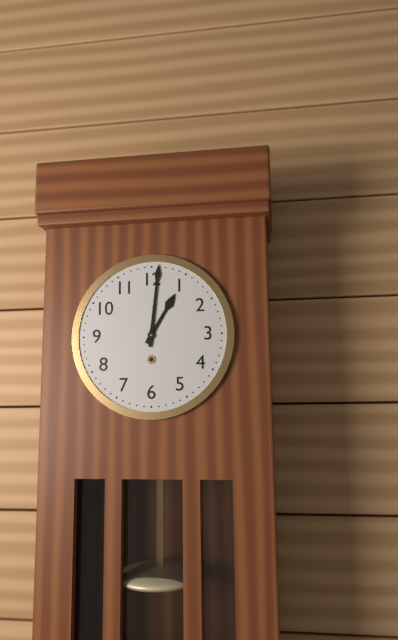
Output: **1:01**
